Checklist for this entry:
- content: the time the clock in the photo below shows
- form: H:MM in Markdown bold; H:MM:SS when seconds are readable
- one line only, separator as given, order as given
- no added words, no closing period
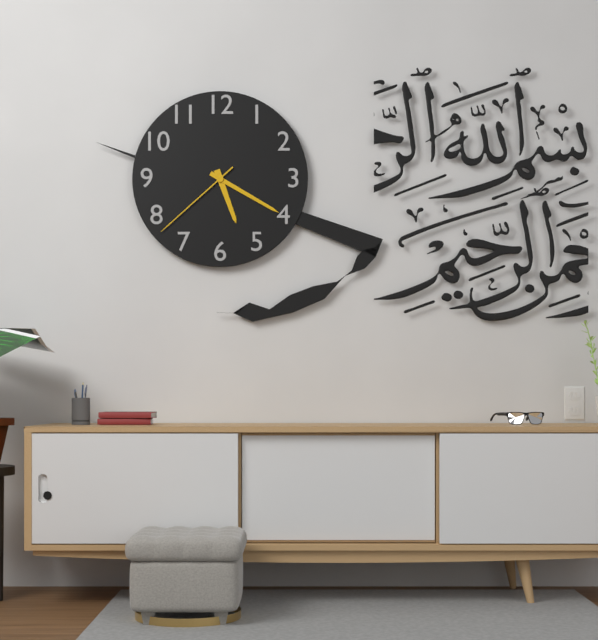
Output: **5:20:38**
